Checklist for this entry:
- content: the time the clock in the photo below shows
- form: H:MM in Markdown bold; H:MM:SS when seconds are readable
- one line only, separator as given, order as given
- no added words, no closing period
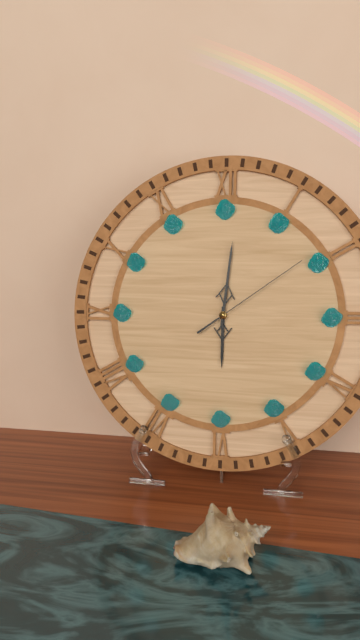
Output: **6:01:09**
